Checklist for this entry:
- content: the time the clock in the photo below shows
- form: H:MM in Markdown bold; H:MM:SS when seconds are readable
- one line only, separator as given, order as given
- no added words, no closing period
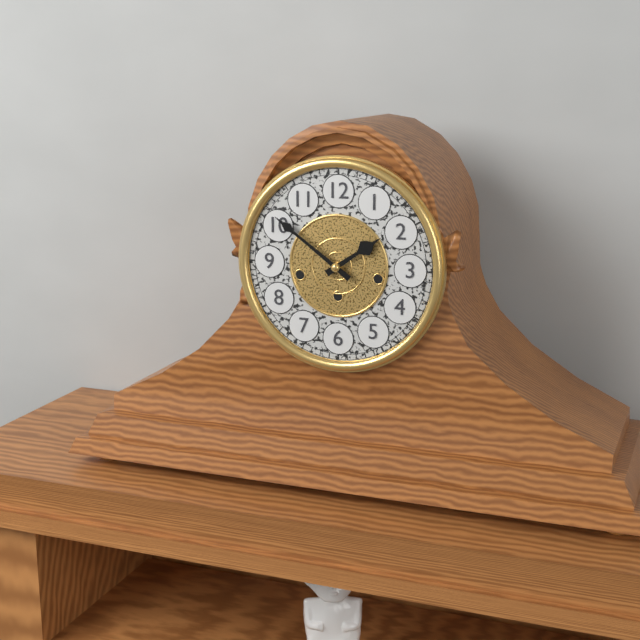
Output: **1:51**
